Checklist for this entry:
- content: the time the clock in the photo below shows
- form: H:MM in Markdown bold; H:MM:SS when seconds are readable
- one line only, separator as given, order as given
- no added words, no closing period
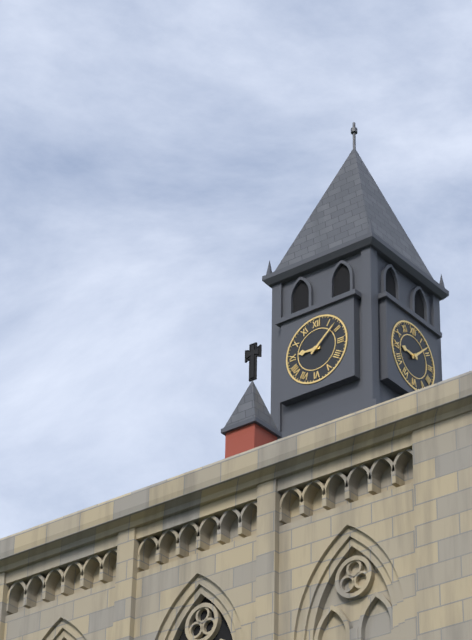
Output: **9:08**
